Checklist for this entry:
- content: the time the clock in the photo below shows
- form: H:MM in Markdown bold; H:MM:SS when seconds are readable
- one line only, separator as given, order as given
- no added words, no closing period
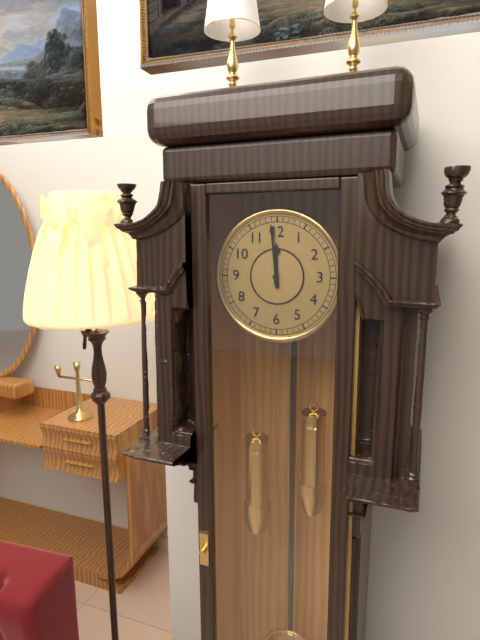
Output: **11:59**
